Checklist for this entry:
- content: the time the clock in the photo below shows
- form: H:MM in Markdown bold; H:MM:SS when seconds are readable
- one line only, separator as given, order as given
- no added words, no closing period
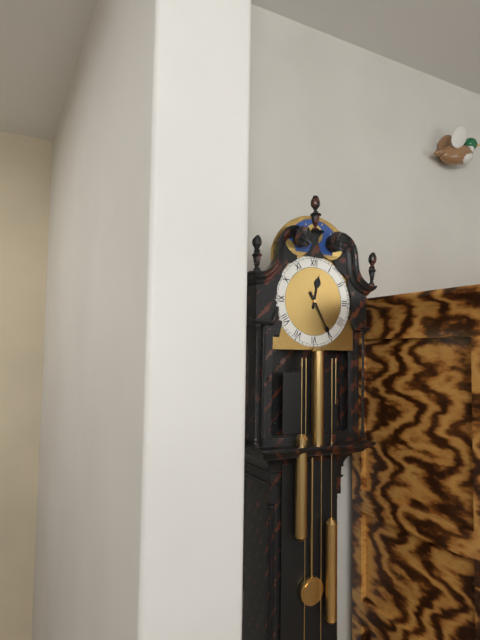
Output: **12:25**
